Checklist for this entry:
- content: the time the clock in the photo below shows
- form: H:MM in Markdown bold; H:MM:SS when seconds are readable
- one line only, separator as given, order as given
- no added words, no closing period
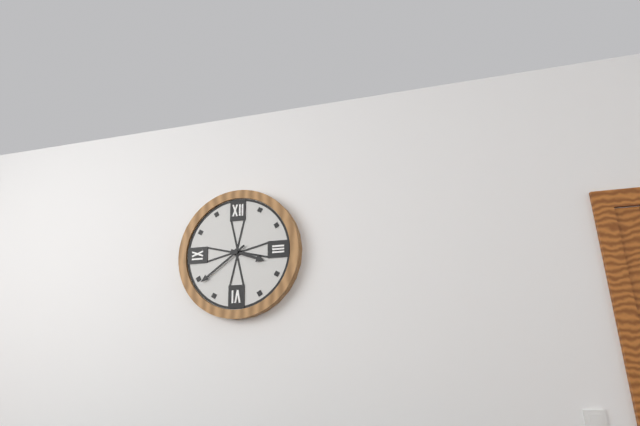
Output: **3:39**
